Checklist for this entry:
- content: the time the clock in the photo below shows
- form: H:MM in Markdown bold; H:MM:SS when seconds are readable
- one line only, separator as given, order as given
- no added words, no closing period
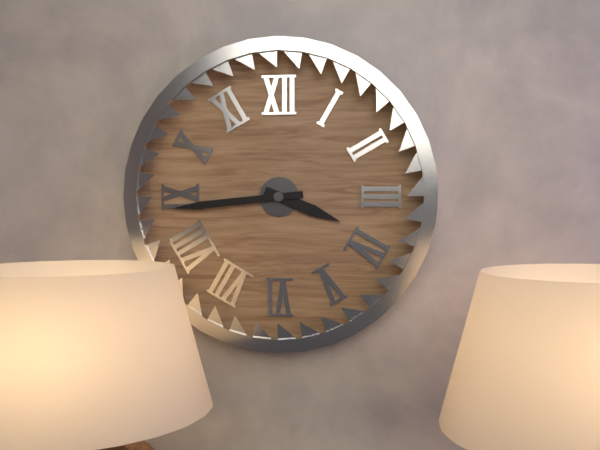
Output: **3:44**
